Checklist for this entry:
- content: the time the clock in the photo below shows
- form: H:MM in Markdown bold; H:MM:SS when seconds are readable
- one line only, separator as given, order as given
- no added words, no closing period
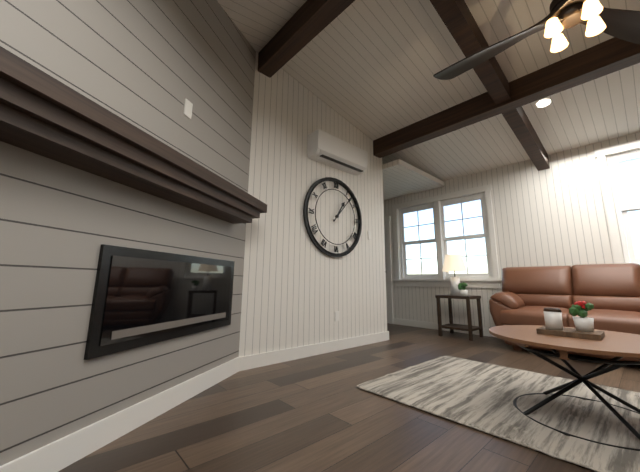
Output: **1:07**
